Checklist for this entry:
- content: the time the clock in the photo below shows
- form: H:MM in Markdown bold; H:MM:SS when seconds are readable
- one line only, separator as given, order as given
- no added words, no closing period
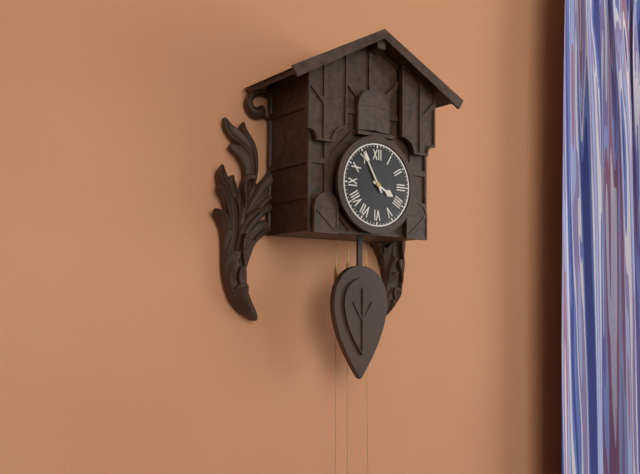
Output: **3:55**
